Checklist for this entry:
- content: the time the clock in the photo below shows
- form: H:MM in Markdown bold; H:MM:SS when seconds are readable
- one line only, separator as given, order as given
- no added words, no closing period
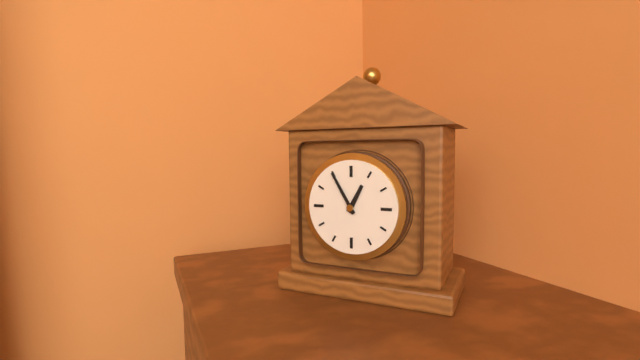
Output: **12:55**
